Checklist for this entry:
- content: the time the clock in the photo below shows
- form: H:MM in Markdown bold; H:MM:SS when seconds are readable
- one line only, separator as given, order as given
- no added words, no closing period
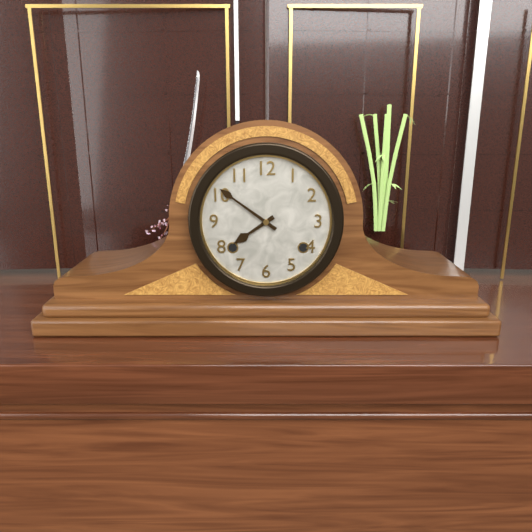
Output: **7:51**
